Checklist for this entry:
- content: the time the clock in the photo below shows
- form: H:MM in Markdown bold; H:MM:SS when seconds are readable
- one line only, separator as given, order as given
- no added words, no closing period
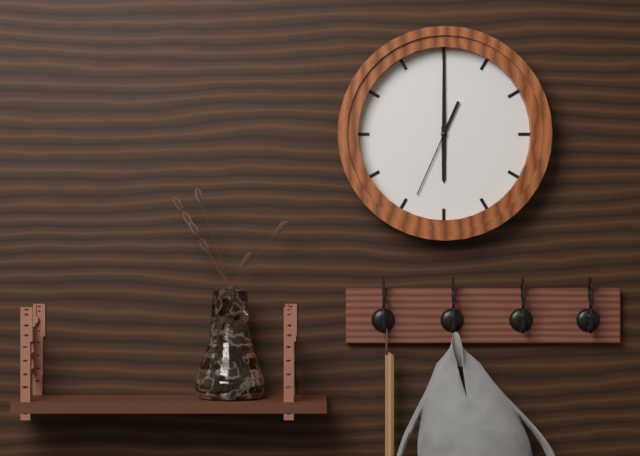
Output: **6:00:34**
